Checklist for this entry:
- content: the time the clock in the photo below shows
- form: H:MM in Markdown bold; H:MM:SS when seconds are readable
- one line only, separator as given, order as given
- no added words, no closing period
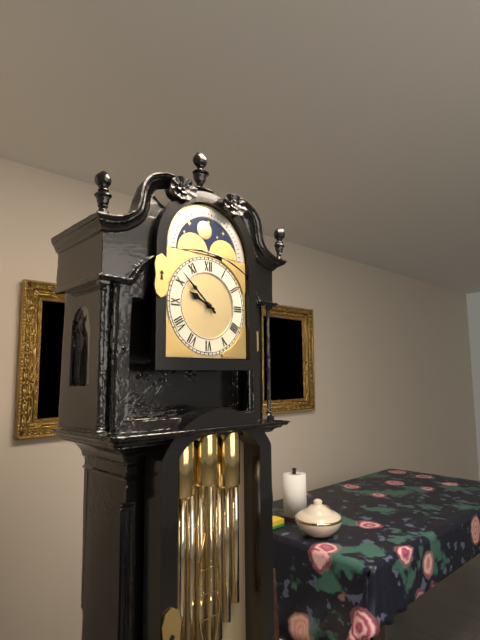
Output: **9:52**
